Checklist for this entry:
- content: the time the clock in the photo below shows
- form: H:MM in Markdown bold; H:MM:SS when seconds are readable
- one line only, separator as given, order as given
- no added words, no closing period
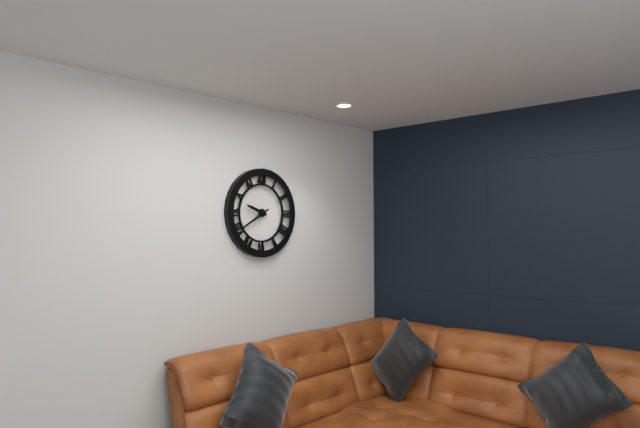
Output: **9:40**
